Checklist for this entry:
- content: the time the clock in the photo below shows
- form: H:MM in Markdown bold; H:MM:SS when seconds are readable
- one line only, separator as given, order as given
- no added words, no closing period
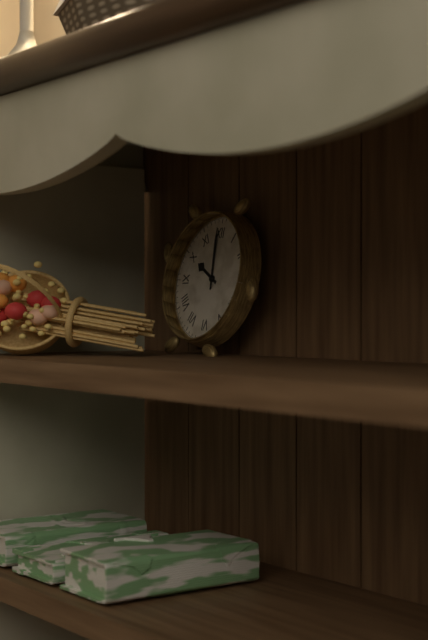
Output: **9:59**
